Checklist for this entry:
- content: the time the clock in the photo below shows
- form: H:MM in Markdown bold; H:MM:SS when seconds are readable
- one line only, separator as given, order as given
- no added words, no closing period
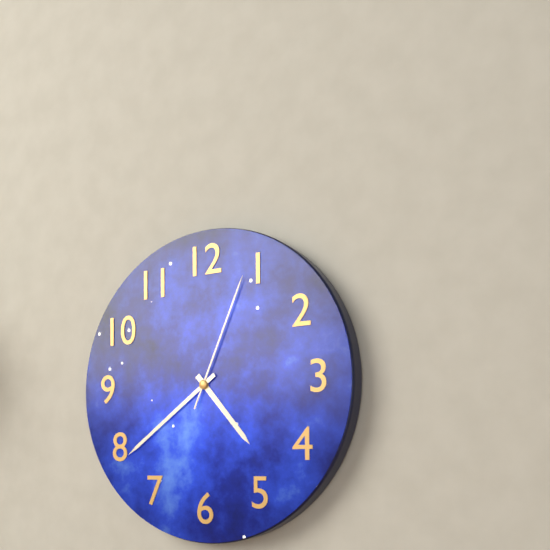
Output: **4:39:04**
